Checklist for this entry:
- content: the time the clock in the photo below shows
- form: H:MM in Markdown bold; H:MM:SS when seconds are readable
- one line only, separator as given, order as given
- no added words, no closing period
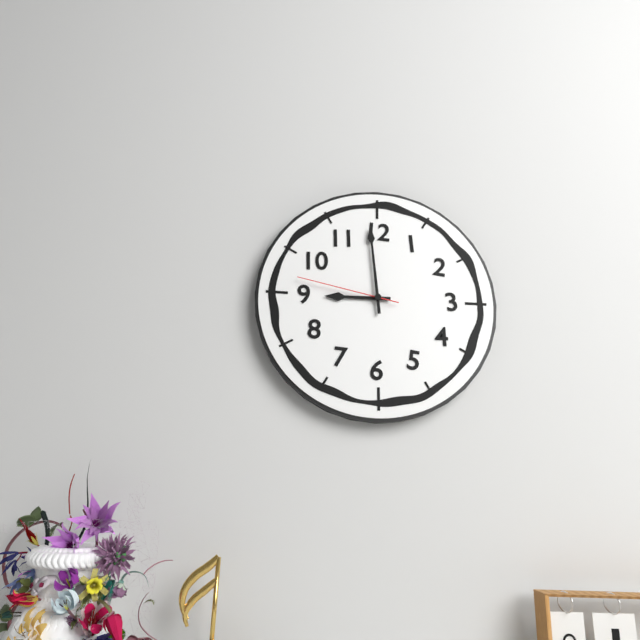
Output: **8:59:47**
